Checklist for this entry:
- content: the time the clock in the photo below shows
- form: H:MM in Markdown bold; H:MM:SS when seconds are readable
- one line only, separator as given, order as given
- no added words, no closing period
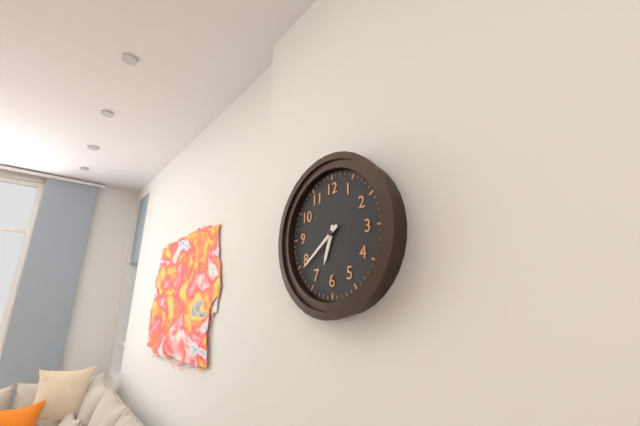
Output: **6:39**
